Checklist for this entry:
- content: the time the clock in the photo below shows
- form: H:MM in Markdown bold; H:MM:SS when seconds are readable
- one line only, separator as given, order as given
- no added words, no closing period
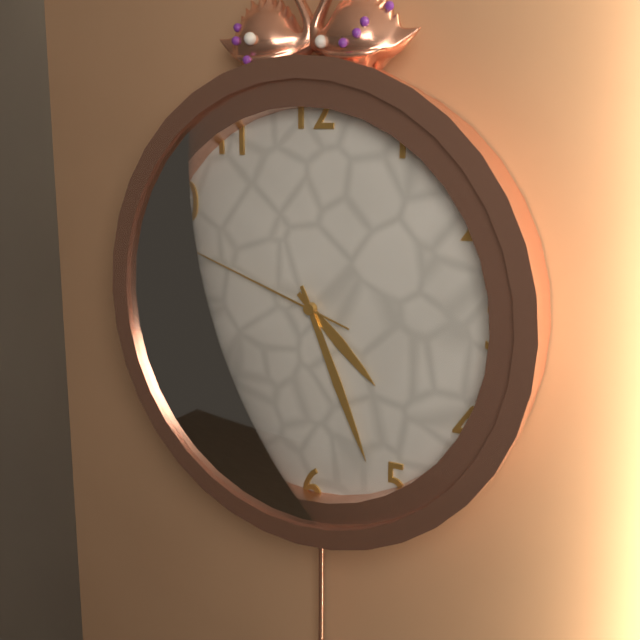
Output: **4:26:48**
